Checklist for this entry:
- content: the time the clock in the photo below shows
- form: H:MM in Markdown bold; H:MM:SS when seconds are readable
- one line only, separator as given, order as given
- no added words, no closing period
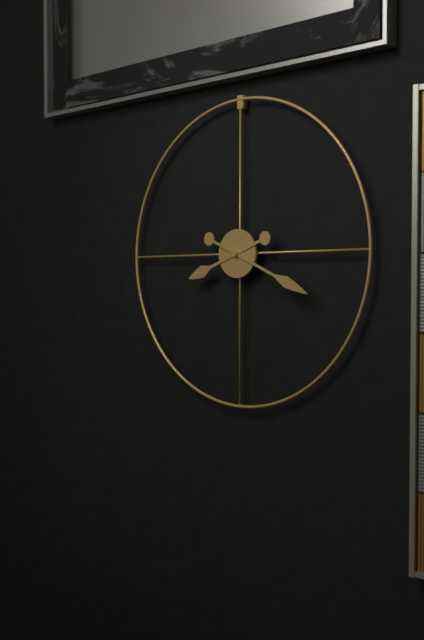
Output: **8:19**
